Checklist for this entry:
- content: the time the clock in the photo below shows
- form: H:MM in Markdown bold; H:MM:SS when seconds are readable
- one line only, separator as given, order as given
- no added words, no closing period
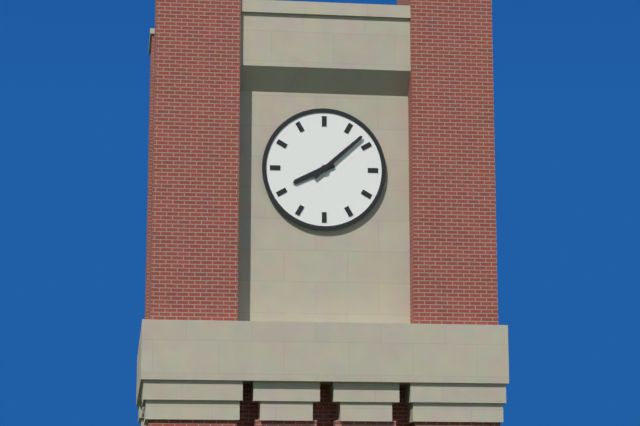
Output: **8:08**
